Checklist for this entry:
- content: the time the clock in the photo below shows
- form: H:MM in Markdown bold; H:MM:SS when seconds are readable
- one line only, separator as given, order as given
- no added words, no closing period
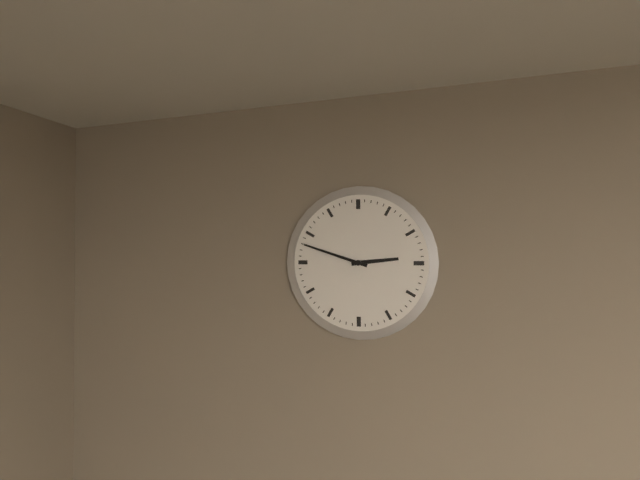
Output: **2:48**
